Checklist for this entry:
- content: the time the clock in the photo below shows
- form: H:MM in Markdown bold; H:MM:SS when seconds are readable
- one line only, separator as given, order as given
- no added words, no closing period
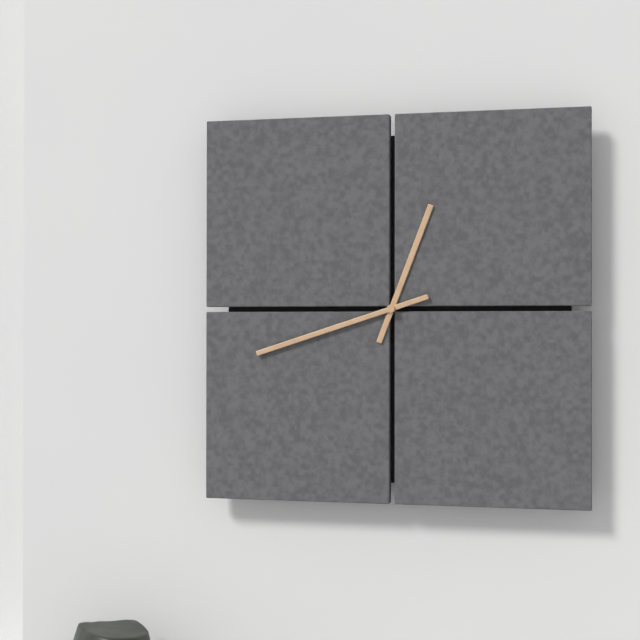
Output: **12:42**
